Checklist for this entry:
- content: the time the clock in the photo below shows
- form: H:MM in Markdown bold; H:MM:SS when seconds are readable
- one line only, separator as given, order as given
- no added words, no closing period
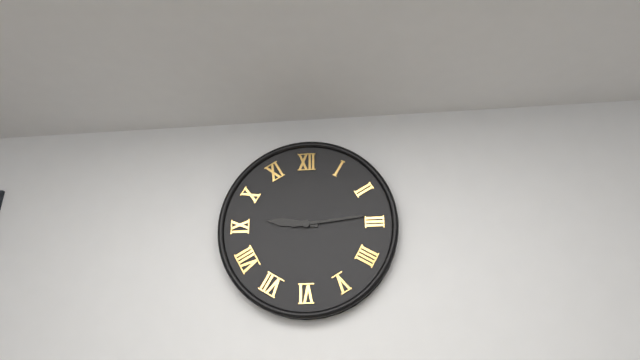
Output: **9:14**
